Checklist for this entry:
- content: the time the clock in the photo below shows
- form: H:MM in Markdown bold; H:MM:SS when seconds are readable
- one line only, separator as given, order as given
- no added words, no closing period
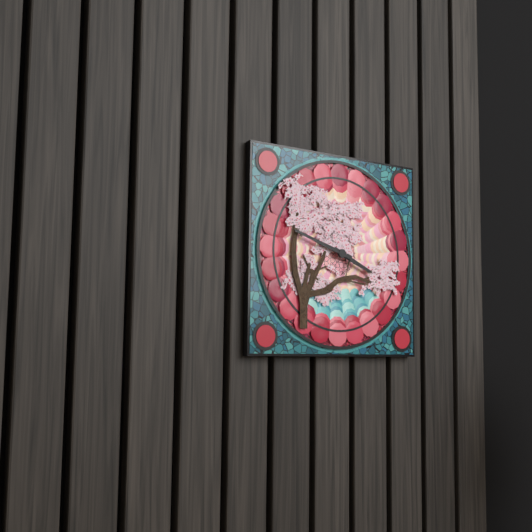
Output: **3:48**
